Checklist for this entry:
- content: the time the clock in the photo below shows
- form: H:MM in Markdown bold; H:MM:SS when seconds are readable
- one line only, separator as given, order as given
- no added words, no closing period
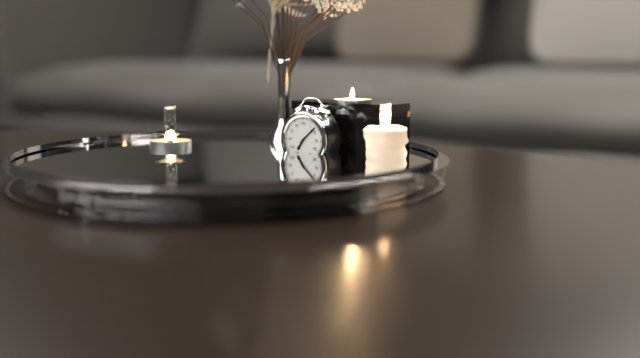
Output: **7:08**
